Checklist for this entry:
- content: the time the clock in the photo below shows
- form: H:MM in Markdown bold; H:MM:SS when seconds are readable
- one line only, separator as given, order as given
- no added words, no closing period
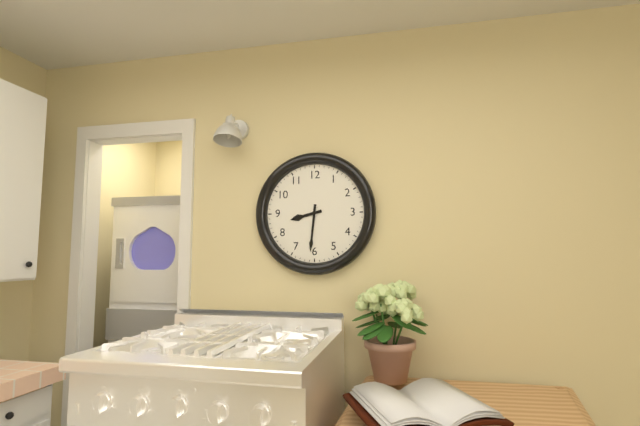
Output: **8:31**
